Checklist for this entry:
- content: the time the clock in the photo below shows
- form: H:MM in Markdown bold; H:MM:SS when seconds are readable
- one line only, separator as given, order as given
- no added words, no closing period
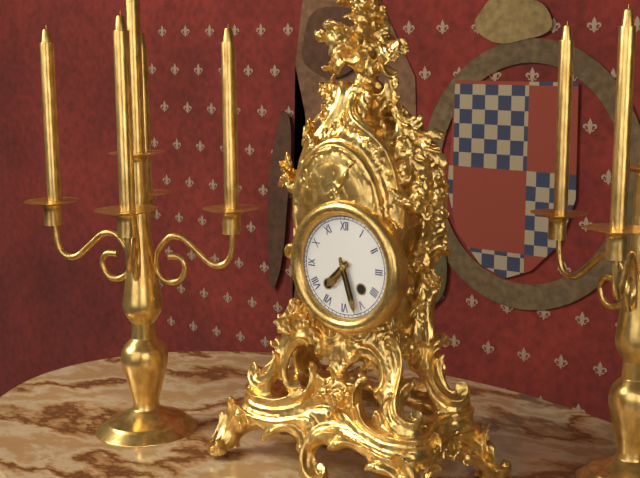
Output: **7:27**
